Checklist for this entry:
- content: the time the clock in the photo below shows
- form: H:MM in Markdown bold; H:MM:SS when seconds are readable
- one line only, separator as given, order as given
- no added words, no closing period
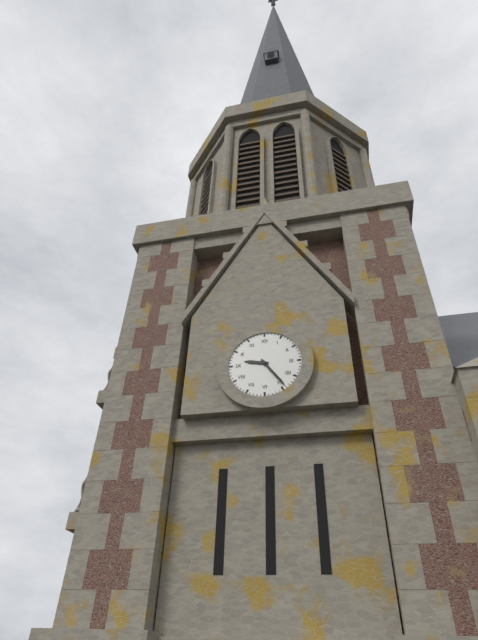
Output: **9:24**
